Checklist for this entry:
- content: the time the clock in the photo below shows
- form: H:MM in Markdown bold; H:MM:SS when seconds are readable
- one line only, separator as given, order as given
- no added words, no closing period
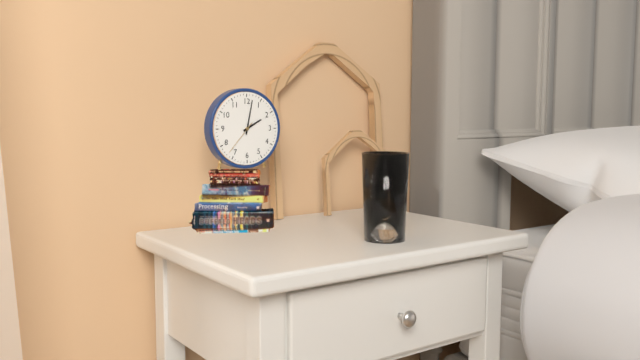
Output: **2:02**
